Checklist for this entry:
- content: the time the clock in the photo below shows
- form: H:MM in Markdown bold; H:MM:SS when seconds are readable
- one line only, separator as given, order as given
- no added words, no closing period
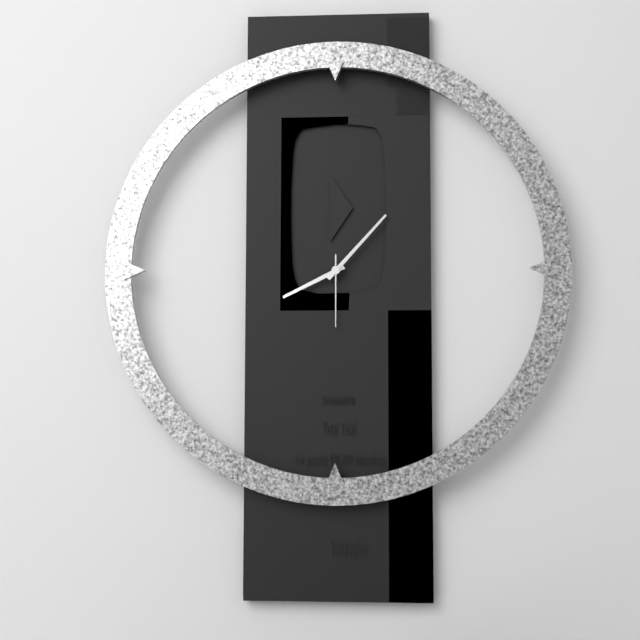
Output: **8:07:30**
